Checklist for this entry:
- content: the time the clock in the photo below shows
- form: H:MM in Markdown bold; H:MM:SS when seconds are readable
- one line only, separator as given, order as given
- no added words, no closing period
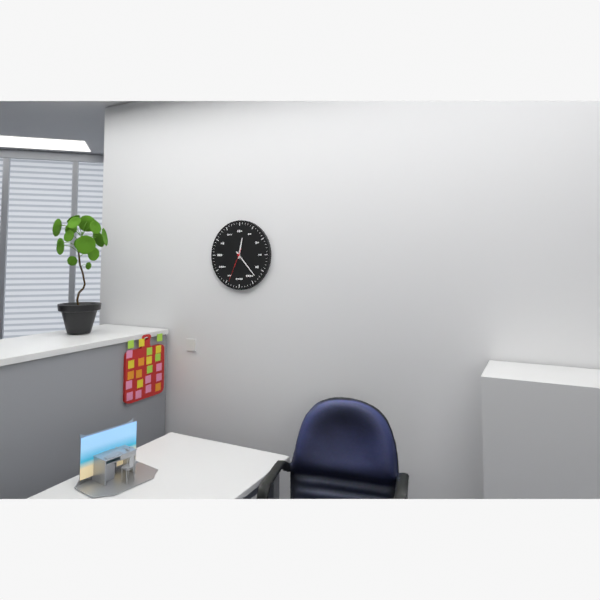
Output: **12:23**
